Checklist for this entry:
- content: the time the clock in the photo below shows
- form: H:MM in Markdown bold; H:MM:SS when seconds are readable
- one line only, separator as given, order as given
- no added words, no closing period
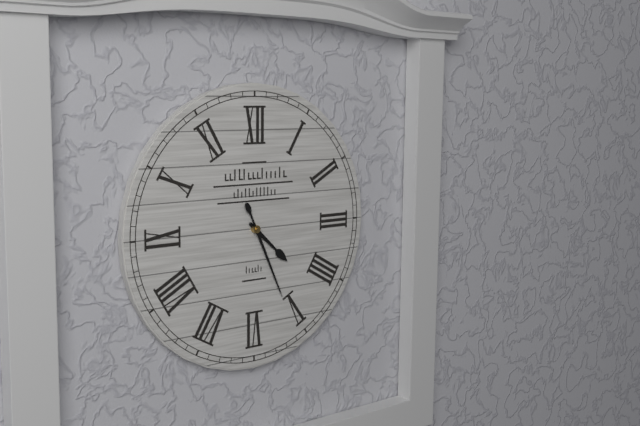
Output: **4:26**
